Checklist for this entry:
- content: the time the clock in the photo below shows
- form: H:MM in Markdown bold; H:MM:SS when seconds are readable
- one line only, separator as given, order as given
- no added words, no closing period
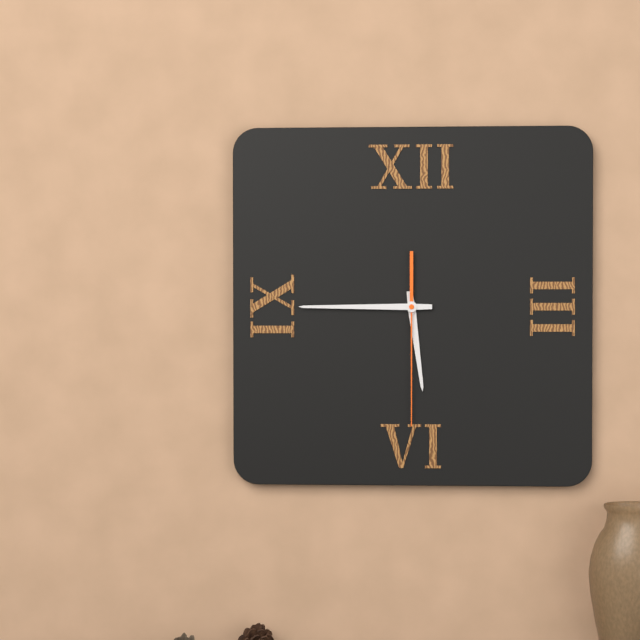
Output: **5:45:30**
